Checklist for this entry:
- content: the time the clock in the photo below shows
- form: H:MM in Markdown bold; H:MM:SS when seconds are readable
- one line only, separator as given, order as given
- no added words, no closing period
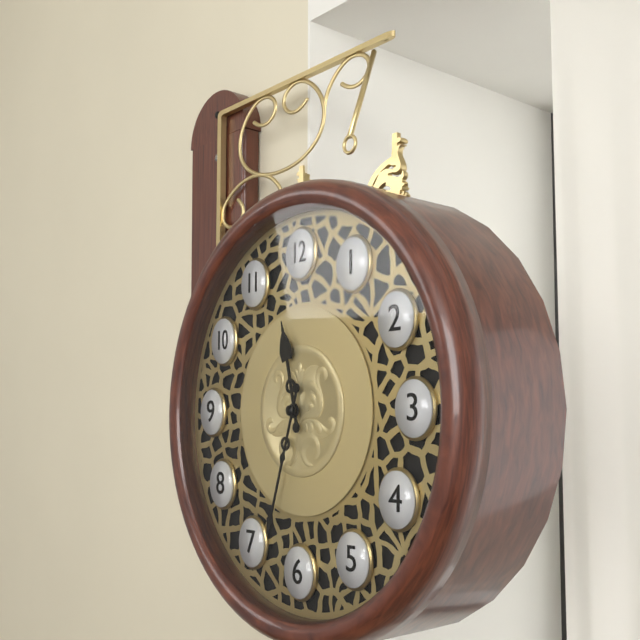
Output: **11:33**
